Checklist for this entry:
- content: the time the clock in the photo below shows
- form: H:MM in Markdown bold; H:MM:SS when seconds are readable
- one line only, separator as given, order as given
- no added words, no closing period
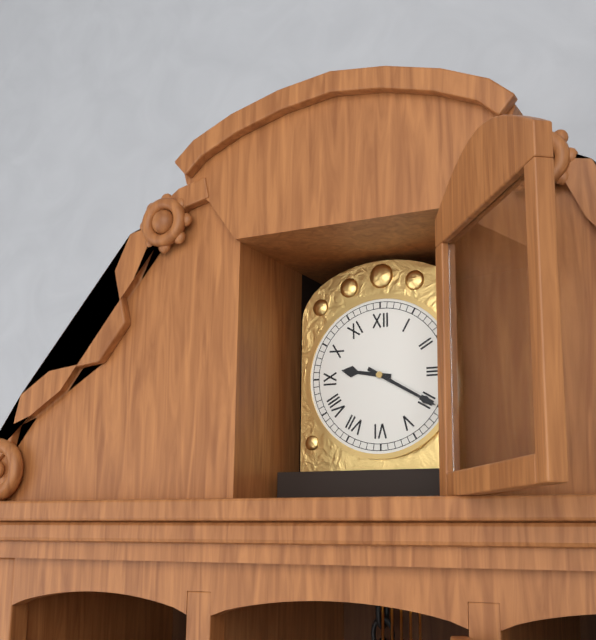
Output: **9:20**
